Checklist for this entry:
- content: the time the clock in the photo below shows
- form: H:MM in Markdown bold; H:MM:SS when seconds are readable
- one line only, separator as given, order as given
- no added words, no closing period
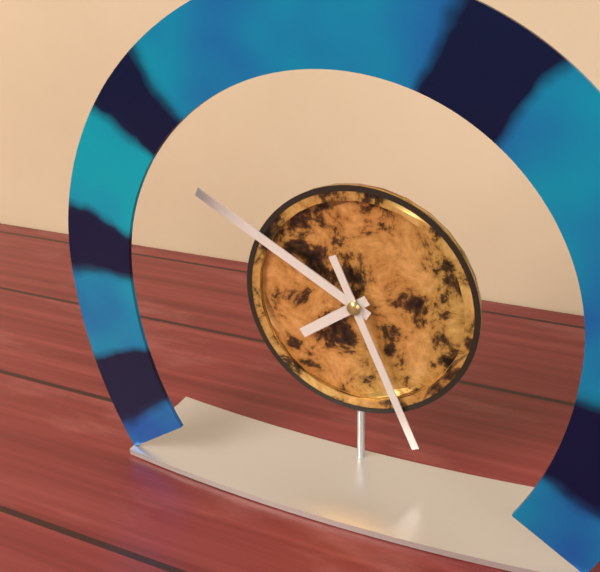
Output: **7:50:26**
